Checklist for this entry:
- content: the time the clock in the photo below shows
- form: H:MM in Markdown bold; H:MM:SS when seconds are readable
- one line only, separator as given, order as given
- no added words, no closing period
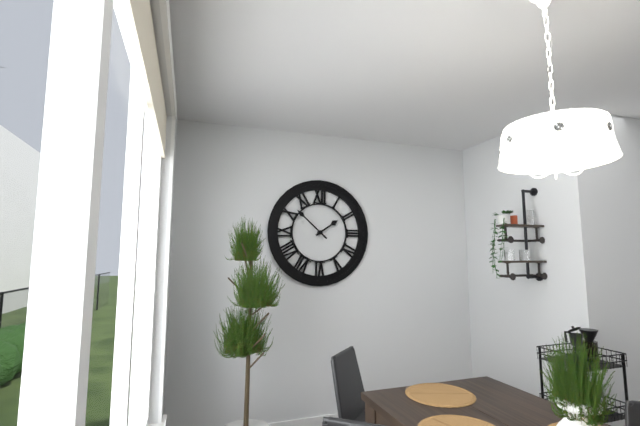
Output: **1:52**
